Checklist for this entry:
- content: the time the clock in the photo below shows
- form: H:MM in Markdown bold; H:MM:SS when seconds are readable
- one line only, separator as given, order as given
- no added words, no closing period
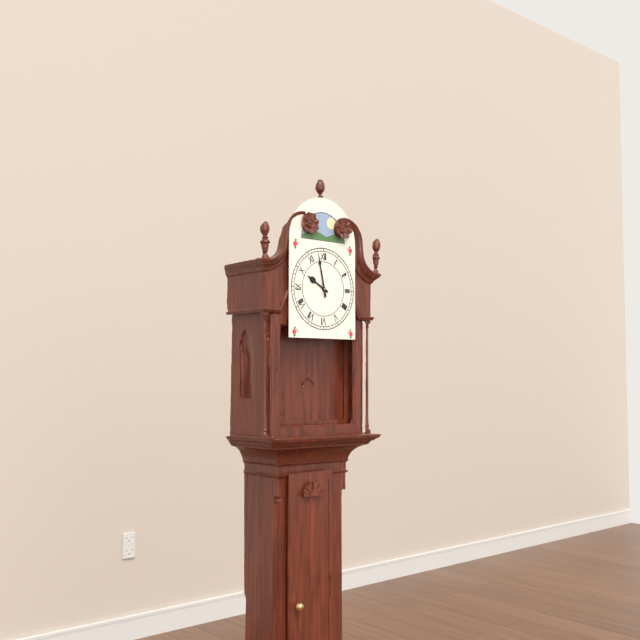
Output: **9:58**
